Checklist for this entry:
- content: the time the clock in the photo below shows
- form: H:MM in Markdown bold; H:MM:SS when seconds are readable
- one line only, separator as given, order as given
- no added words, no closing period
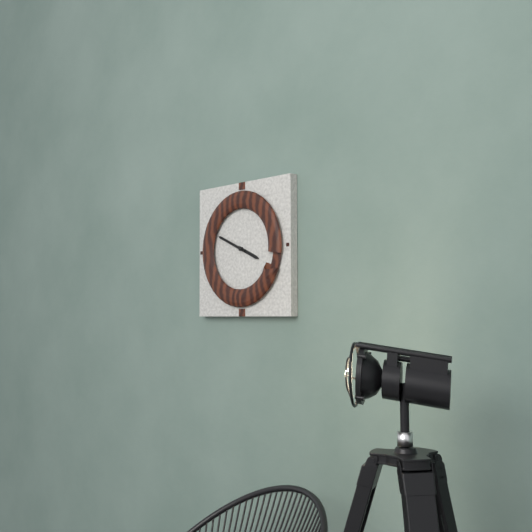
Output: **3:49**
